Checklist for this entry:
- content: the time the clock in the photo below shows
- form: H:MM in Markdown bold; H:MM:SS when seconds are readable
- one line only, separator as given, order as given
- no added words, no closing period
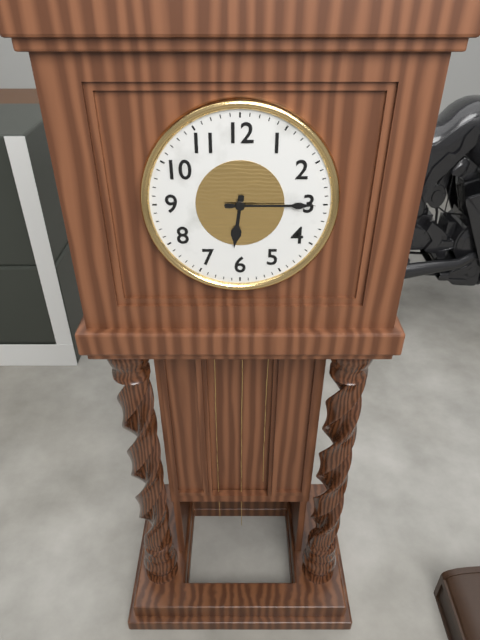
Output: **6:15**
